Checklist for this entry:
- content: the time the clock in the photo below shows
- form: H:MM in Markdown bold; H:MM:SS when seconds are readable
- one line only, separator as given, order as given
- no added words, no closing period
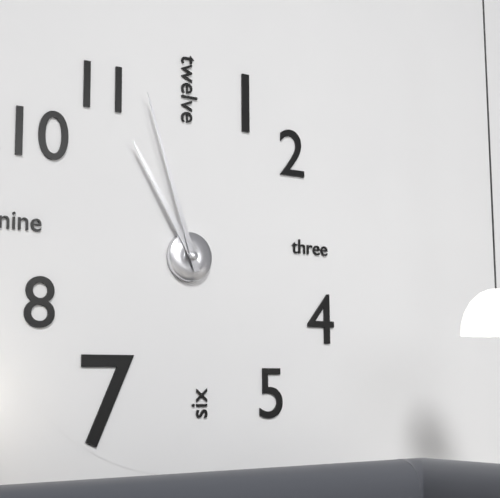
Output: **10:57**
